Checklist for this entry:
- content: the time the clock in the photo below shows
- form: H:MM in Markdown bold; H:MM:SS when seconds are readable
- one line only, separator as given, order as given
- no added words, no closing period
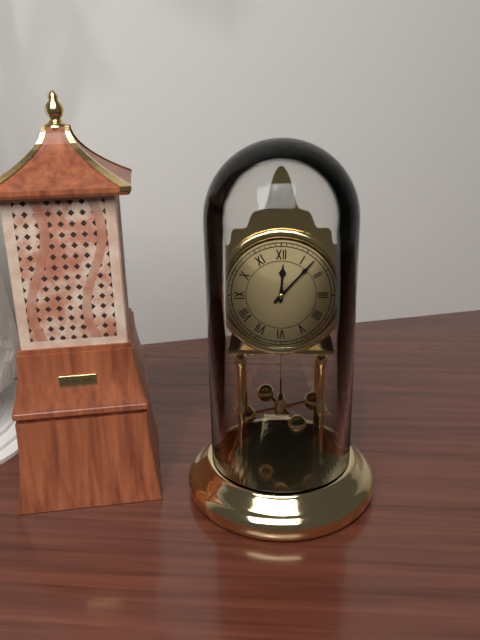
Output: **12:07**
